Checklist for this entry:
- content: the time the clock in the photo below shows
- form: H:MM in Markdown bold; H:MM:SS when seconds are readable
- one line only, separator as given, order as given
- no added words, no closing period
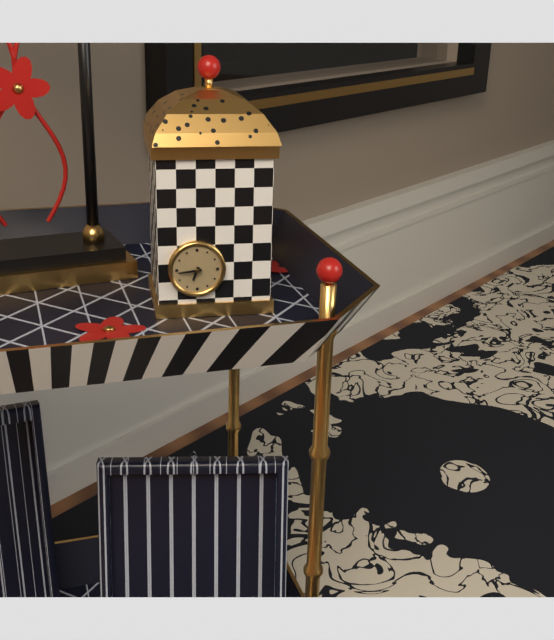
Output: **6:44**
